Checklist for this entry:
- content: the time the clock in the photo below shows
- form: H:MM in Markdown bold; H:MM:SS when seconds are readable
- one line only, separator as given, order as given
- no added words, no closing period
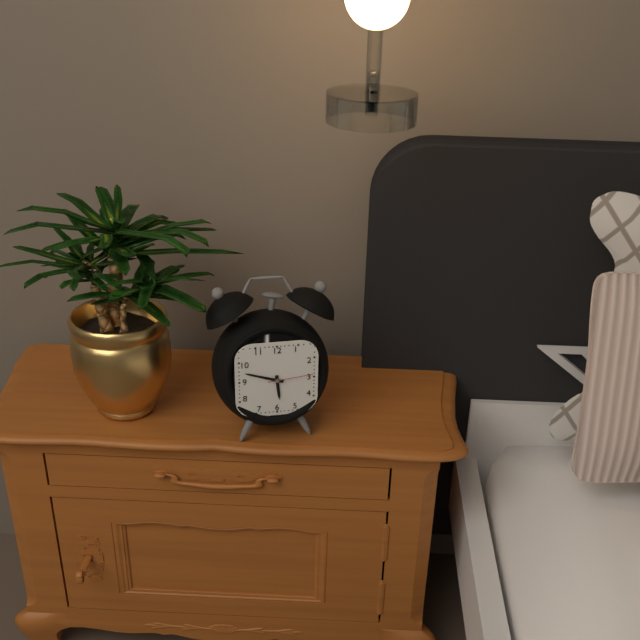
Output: **5:48**
